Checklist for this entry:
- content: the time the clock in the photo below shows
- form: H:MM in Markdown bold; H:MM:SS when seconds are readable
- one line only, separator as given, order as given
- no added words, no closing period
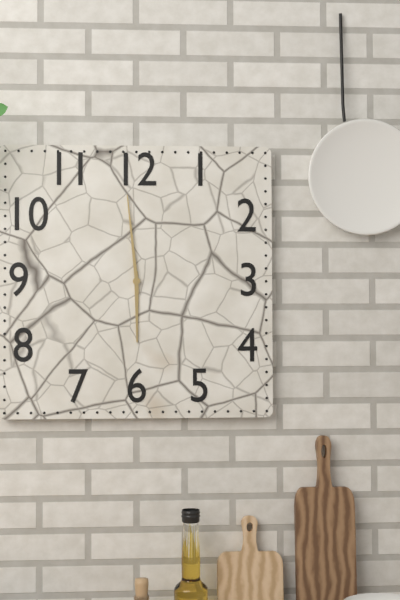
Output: **5:59**
